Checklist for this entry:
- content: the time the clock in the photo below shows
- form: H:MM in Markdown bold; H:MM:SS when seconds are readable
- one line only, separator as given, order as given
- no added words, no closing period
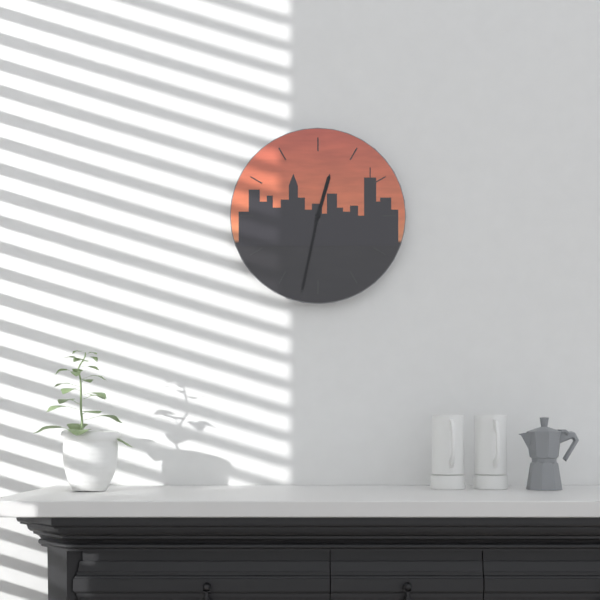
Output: **12:32**
